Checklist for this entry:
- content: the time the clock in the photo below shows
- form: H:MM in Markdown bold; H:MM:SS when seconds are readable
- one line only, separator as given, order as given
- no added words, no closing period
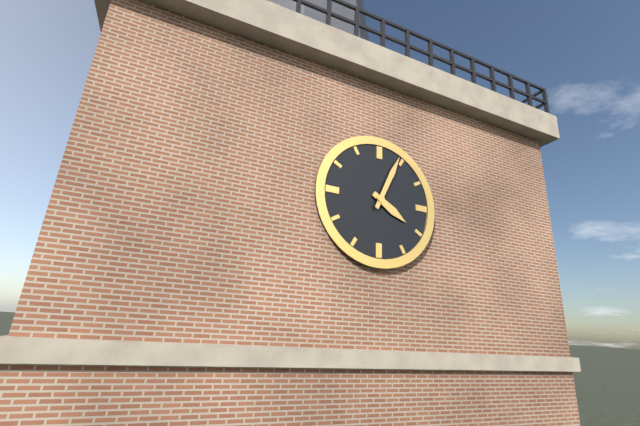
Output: **4:04**
